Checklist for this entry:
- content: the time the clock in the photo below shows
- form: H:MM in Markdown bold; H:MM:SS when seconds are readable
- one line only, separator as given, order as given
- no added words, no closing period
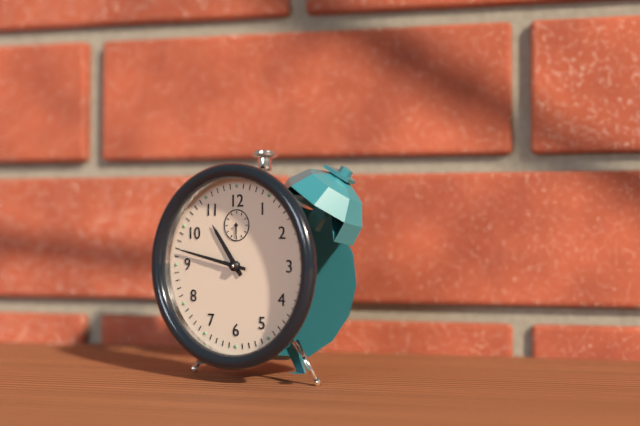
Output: **10:47**
